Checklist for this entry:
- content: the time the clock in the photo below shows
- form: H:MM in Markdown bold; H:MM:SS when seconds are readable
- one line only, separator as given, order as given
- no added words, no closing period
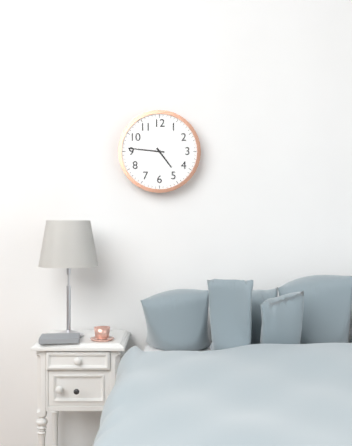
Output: **4:46**
